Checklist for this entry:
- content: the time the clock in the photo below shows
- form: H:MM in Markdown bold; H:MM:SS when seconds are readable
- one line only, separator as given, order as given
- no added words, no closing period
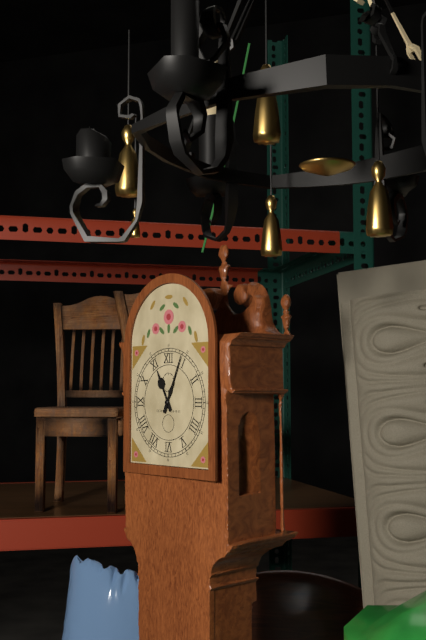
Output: **11:04**
